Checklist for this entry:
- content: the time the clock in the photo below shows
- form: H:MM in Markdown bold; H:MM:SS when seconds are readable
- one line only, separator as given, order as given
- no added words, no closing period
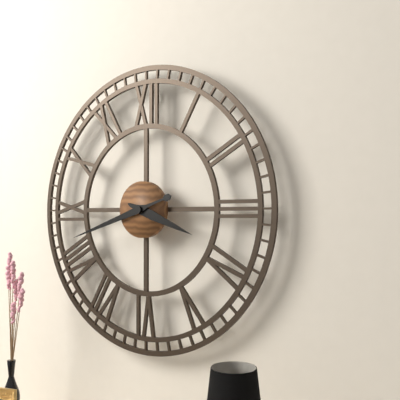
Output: **3:42**
